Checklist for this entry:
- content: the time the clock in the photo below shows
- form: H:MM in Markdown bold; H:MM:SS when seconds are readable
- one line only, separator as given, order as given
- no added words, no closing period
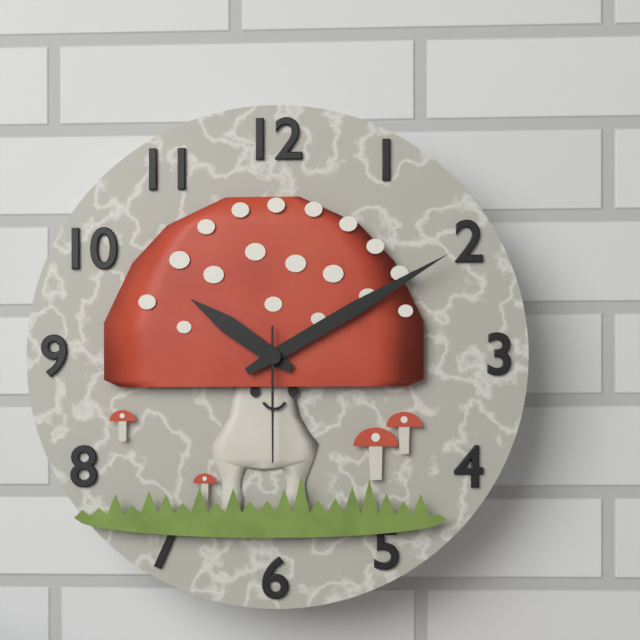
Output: **10:10:30**
